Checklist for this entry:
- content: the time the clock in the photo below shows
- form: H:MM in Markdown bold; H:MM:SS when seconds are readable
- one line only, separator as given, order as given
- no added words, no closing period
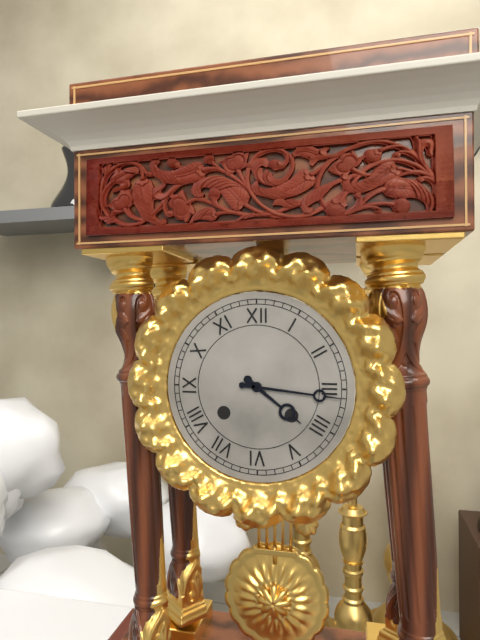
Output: **4:16**
